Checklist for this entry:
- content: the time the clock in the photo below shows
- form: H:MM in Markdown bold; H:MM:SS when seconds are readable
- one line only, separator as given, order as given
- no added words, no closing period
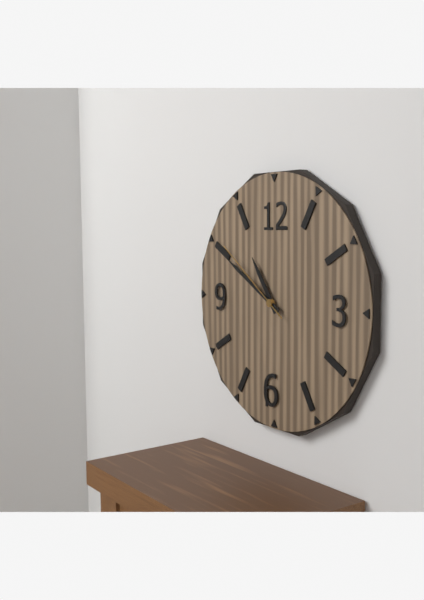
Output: **10:50:51**
